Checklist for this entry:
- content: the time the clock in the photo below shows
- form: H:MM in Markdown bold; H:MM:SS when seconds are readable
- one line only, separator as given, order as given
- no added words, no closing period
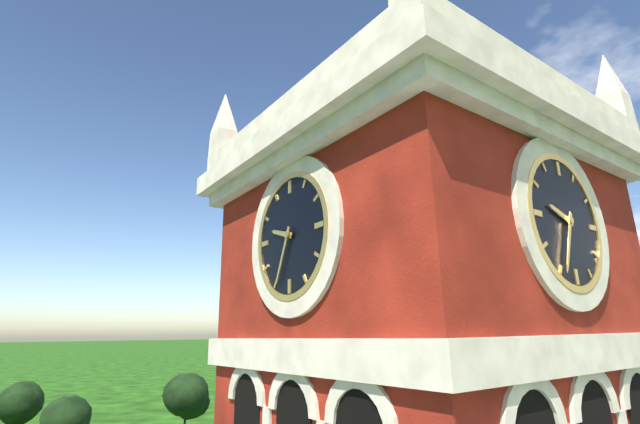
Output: **9:34**
